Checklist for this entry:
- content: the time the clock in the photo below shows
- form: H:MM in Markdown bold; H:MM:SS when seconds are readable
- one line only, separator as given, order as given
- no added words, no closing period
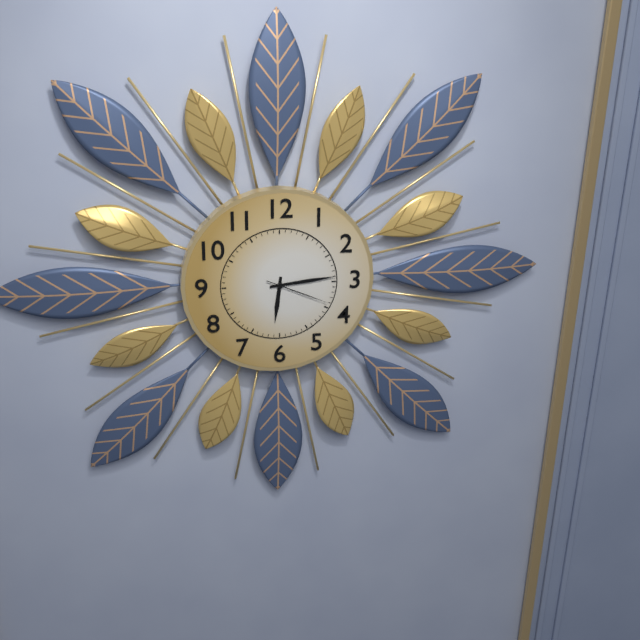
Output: **6:14:19**
